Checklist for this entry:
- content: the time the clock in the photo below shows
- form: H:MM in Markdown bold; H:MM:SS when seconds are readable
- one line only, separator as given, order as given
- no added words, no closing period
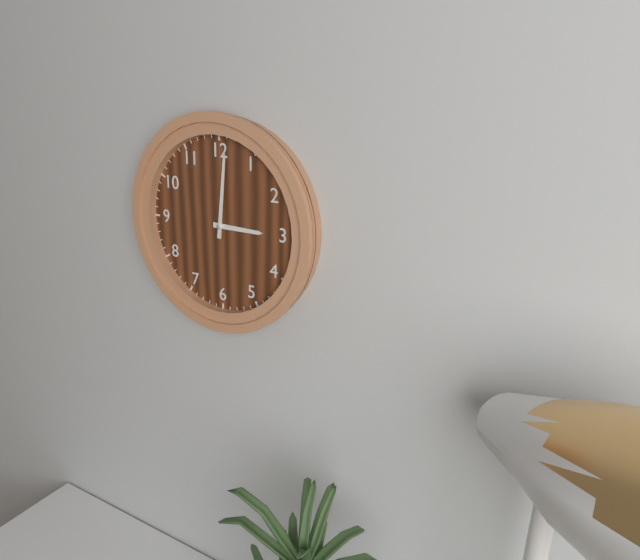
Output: **3:01**
